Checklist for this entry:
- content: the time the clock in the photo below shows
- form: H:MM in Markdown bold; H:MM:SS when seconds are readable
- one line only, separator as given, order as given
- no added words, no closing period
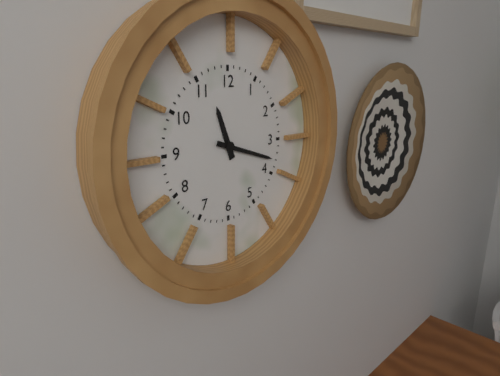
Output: **11:18**
